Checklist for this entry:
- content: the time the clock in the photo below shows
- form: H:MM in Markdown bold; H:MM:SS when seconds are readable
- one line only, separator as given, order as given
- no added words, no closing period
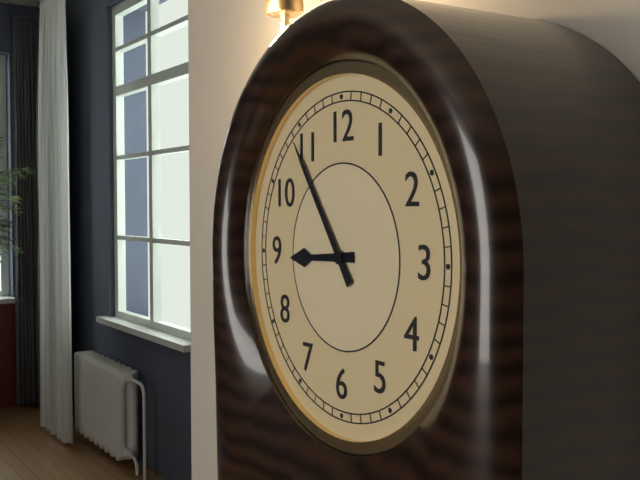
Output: **8:54**
